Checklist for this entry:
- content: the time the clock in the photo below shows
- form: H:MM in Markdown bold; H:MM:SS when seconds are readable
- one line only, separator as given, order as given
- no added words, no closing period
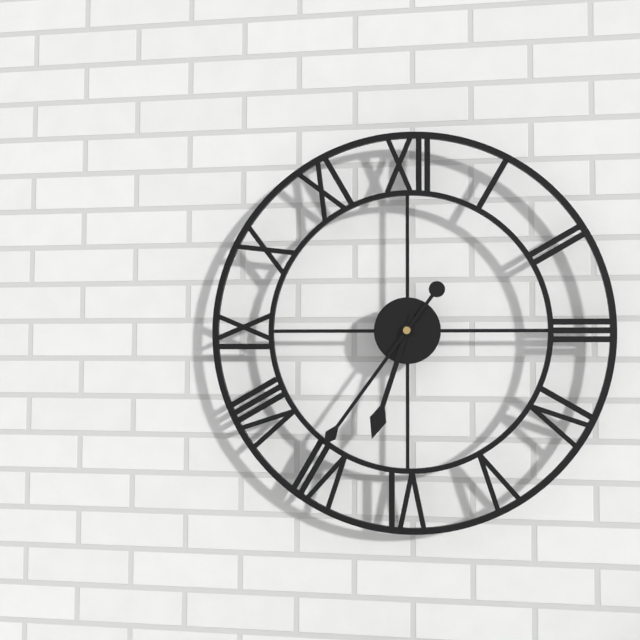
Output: **6:36**
